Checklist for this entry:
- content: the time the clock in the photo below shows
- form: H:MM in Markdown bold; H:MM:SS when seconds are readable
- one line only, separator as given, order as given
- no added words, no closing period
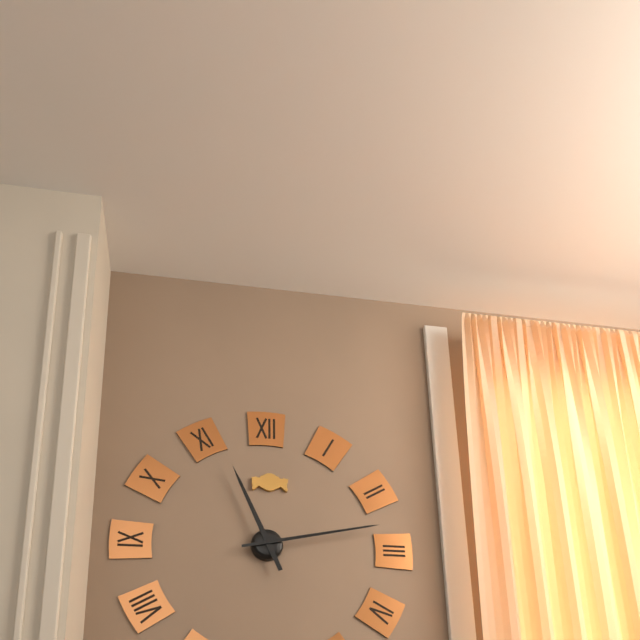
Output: **11:13**
